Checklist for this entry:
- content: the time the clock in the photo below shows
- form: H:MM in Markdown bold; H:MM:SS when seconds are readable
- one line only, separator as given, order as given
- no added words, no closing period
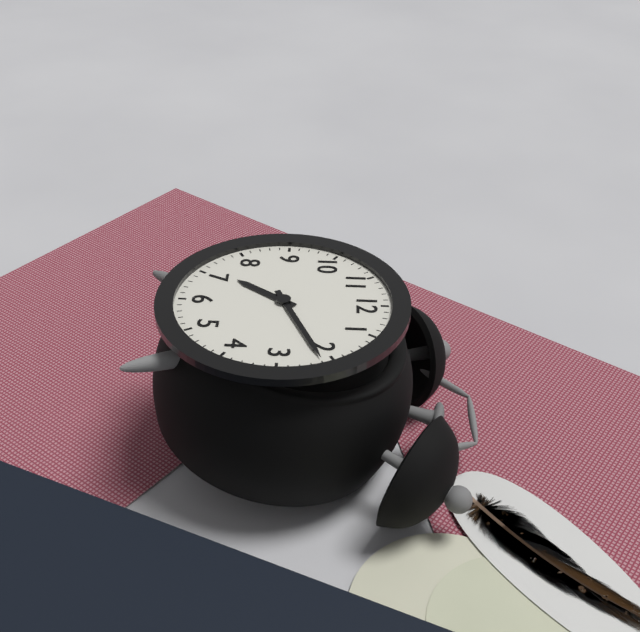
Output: **7:11**
